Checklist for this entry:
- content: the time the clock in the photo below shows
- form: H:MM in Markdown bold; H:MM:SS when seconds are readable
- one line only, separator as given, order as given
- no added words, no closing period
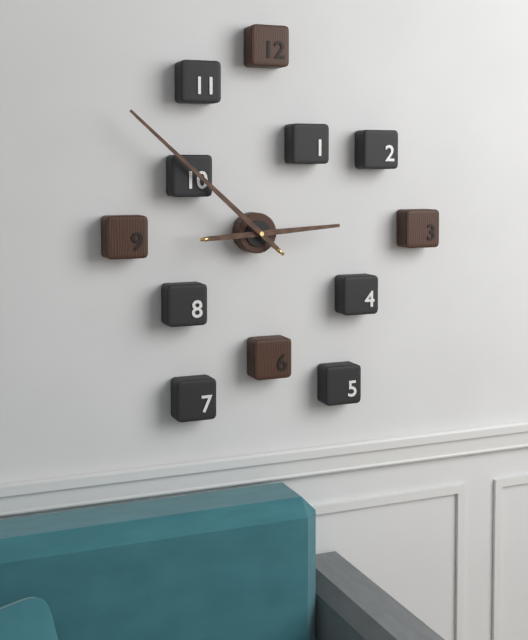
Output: **2:52**
